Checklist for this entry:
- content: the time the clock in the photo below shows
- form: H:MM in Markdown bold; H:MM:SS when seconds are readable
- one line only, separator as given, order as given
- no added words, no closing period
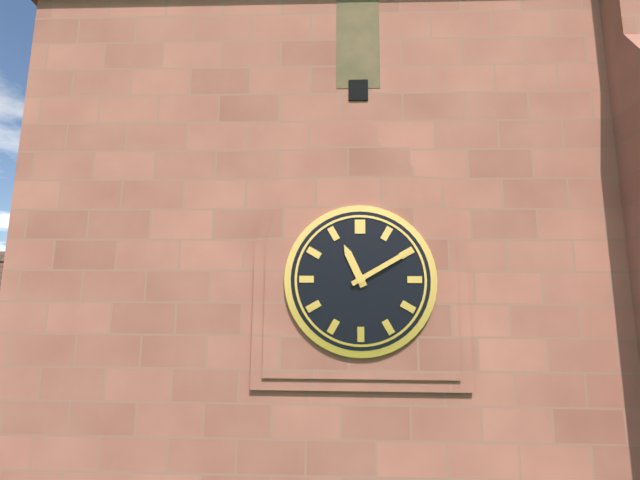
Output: **11:10**
